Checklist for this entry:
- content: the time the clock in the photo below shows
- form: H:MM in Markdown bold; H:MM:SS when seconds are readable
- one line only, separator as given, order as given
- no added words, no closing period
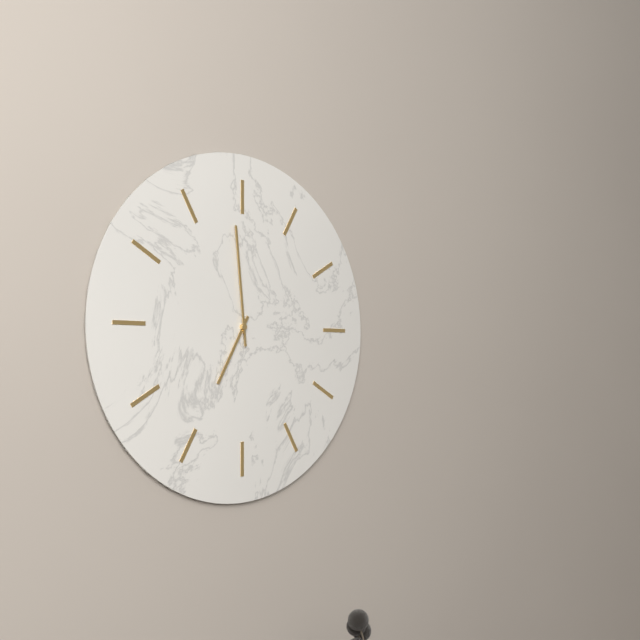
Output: **6:59**
